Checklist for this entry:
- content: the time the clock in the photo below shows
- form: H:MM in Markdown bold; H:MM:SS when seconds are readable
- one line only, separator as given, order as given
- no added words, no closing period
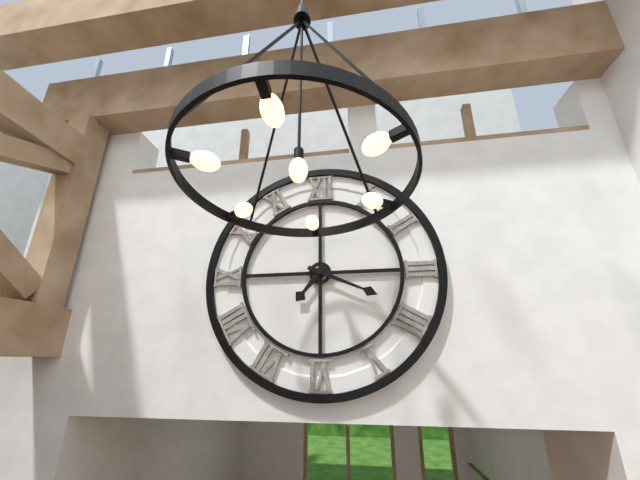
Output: **7:19**
